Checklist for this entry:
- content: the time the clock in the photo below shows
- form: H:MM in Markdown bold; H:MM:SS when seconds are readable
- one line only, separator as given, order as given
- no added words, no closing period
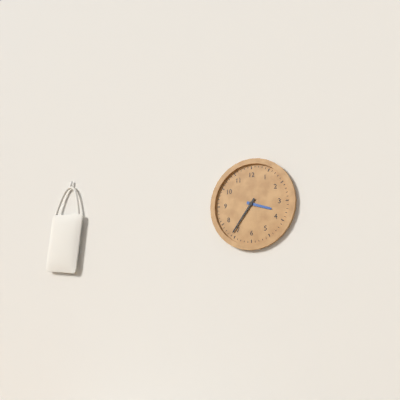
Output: **3:36**
